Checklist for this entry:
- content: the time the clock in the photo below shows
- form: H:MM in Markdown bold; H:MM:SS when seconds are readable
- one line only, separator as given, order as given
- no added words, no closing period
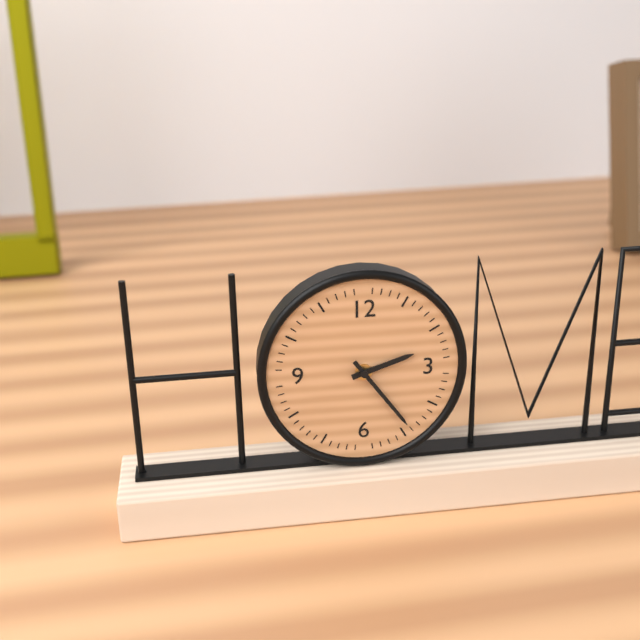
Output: **2:24**
